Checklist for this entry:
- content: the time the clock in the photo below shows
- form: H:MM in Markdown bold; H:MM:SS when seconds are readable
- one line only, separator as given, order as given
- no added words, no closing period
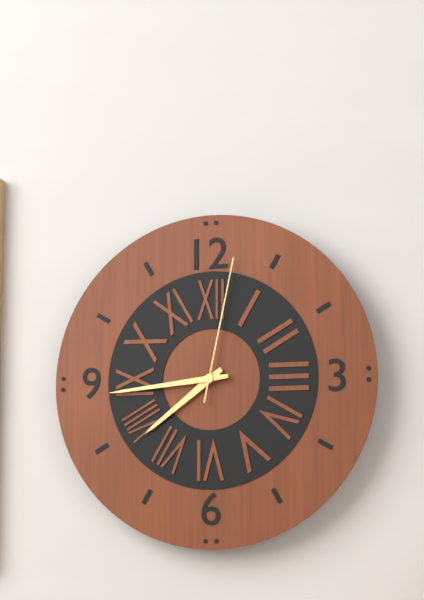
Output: **7:44:02**
